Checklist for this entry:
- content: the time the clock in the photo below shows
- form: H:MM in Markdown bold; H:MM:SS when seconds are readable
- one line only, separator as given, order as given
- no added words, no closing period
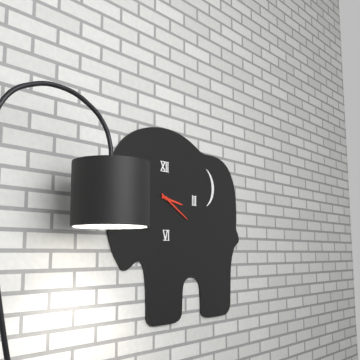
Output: **3:20**
